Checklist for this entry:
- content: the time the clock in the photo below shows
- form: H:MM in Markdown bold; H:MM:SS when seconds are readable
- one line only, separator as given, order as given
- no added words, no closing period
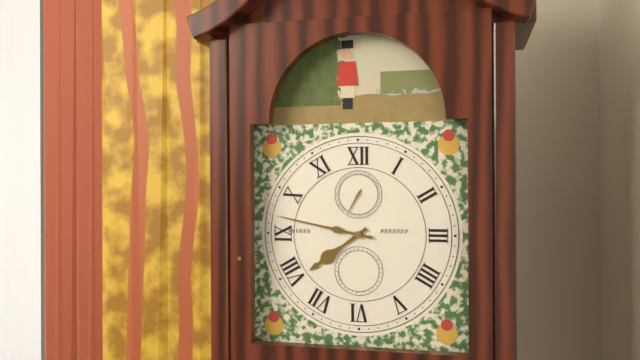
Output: **7:47**
